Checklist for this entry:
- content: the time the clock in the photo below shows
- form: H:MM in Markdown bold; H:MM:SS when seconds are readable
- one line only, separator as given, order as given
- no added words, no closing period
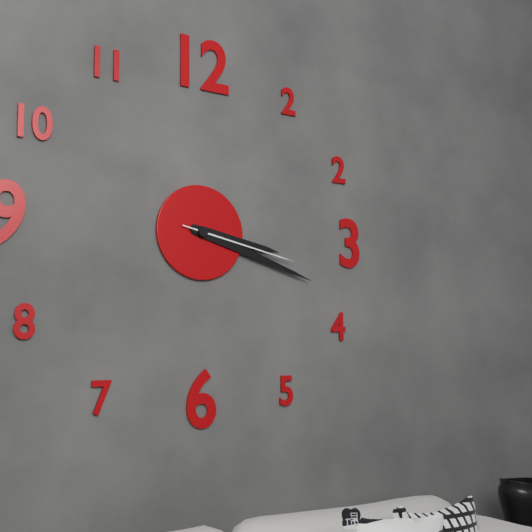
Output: **3:18:17**
